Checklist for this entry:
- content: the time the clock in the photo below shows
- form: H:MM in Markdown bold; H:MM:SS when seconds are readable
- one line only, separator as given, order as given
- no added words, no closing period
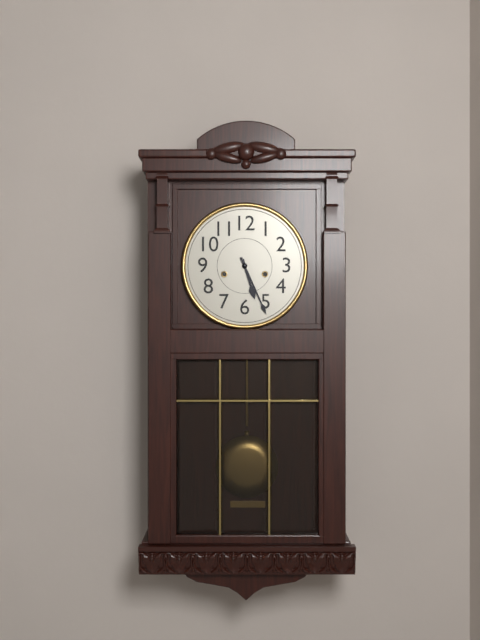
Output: **5:26**
